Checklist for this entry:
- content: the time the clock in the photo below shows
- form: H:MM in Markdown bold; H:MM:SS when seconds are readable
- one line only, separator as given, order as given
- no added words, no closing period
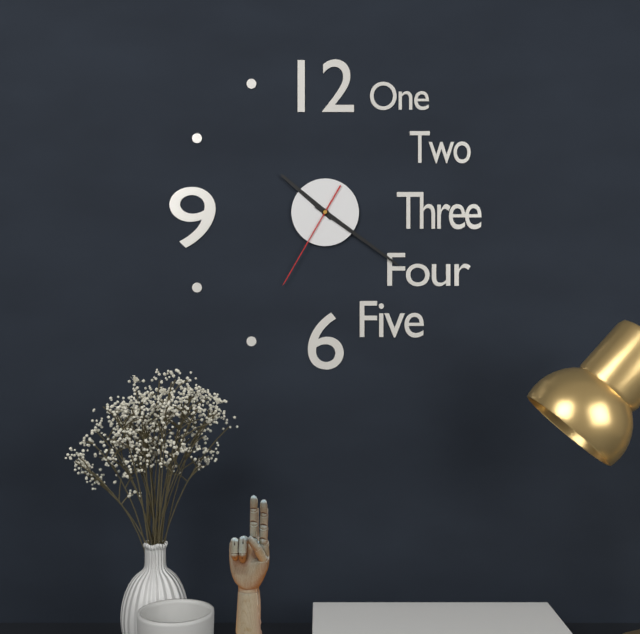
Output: **10:21:35**
